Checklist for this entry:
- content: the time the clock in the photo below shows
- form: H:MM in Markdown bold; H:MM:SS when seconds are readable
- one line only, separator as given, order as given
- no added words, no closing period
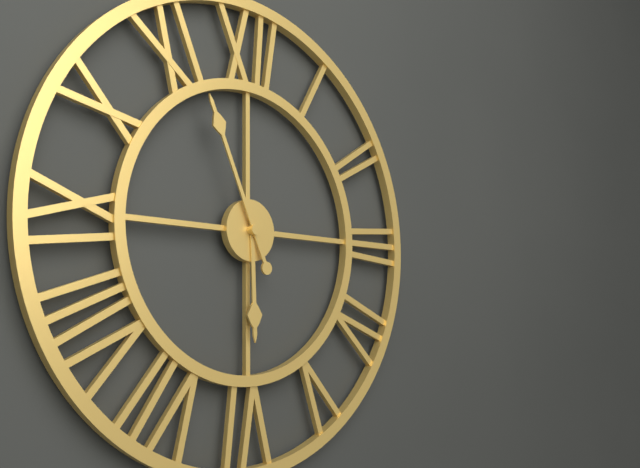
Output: **5:56**
